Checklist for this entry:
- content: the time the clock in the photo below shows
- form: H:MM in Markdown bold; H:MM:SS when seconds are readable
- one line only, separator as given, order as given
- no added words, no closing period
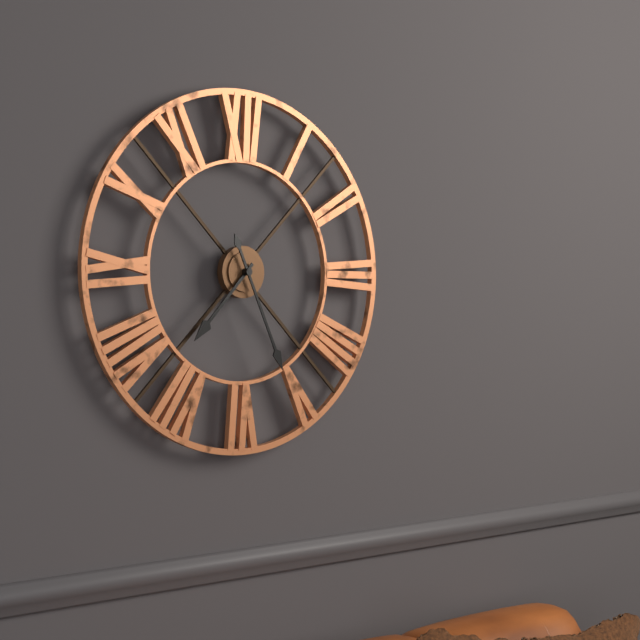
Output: **7:26**
